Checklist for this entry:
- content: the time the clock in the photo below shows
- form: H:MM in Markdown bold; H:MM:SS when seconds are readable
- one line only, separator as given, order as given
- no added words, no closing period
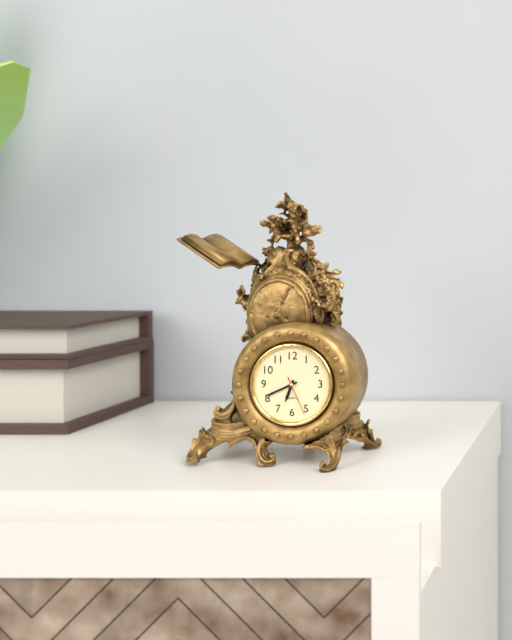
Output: **6:41**
